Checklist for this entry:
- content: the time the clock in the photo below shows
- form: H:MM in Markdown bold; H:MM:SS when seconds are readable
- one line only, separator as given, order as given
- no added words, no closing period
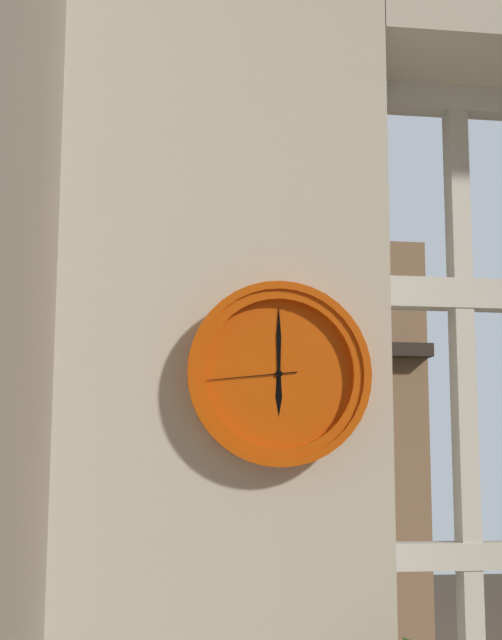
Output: **6:00:44**
